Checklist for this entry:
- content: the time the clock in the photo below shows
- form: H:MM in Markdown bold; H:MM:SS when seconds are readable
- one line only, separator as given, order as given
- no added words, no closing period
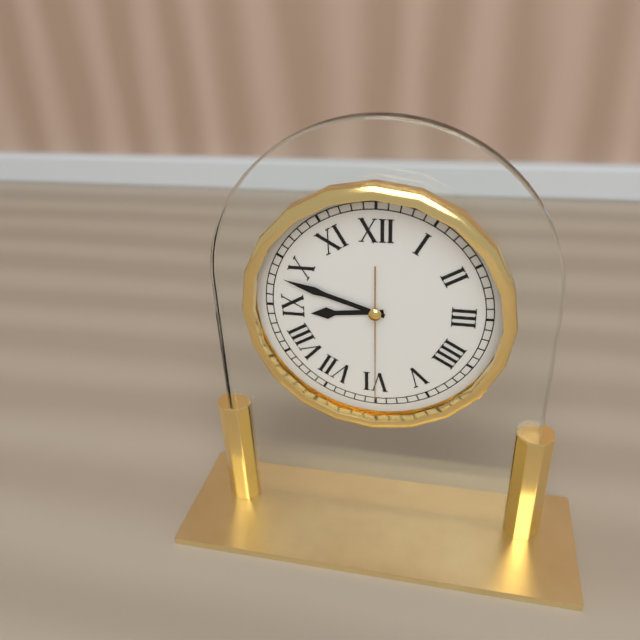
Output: **8:48:30**
